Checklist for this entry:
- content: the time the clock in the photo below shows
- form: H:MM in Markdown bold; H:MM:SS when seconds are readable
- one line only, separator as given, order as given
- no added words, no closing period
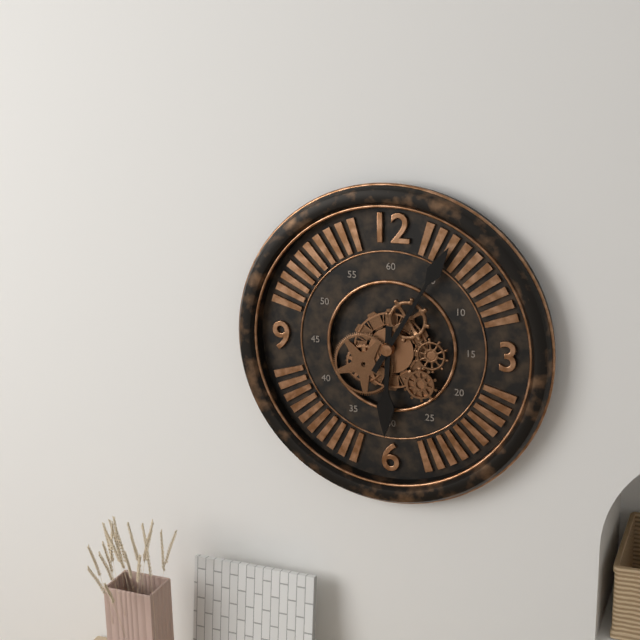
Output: **6:05**
